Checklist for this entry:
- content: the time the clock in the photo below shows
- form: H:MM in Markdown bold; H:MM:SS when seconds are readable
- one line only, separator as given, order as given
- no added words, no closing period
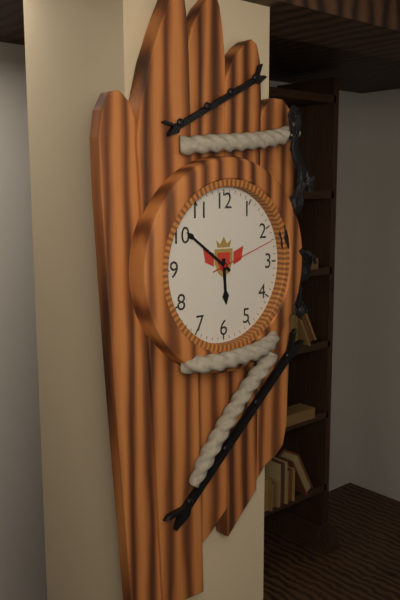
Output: **5:51:12**
